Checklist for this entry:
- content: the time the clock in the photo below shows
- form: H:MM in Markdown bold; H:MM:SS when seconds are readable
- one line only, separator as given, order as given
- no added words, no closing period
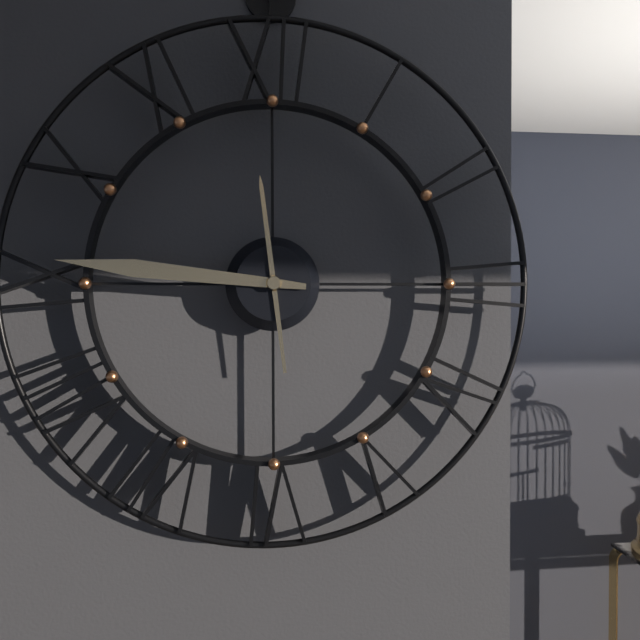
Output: **11:46**
